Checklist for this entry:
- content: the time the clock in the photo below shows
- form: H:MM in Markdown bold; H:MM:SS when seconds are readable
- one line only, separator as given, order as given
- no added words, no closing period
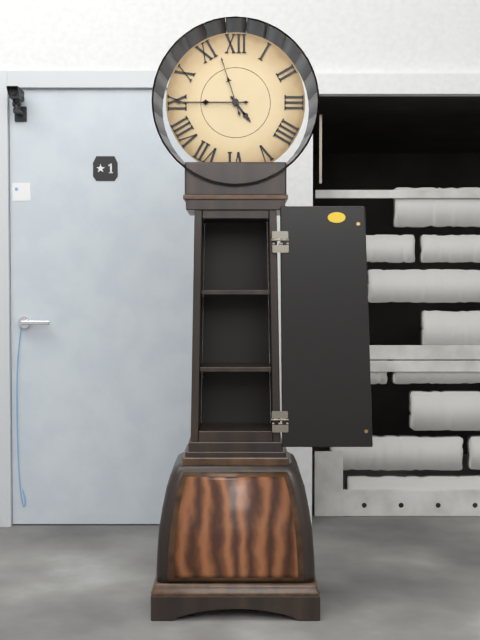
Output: **4:45:57**
